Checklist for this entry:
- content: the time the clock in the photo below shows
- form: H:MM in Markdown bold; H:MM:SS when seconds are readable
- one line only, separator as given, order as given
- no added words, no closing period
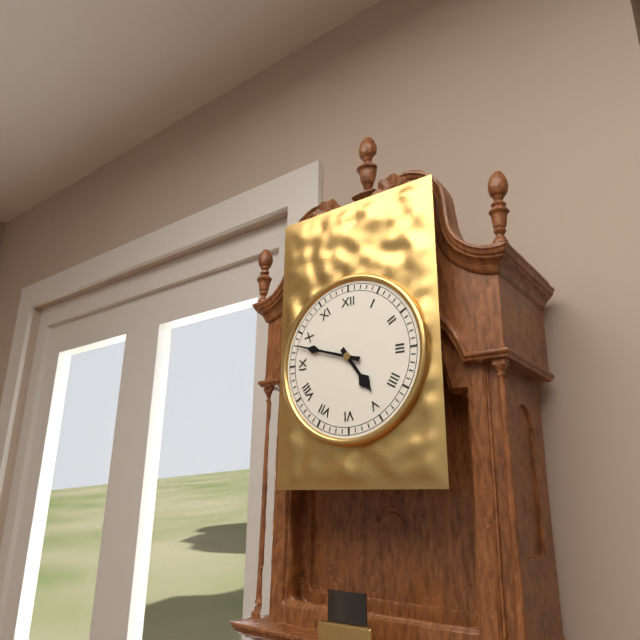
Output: **4:48**
